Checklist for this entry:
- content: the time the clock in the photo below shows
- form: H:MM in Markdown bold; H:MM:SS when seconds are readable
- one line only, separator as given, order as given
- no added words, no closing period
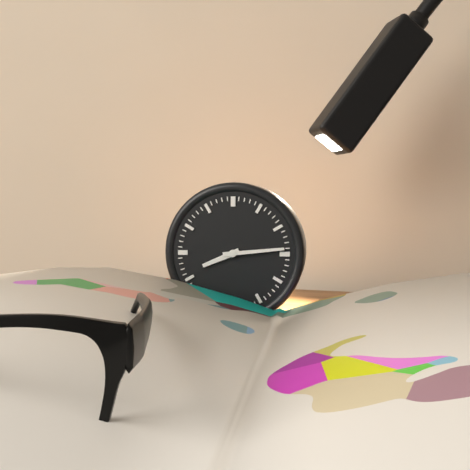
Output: **8:14**
